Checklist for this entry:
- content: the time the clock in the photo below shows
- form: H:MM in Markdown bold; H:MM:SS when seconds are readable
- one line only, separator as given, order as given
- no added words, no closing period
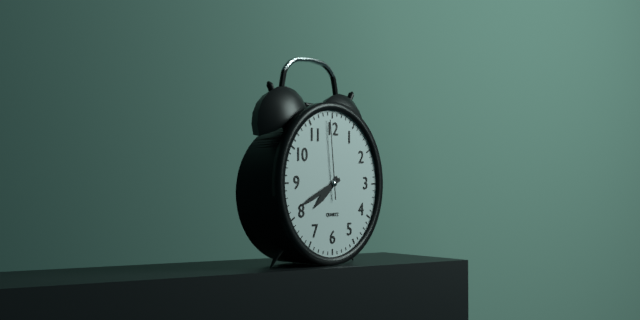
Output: **7:41:59**
